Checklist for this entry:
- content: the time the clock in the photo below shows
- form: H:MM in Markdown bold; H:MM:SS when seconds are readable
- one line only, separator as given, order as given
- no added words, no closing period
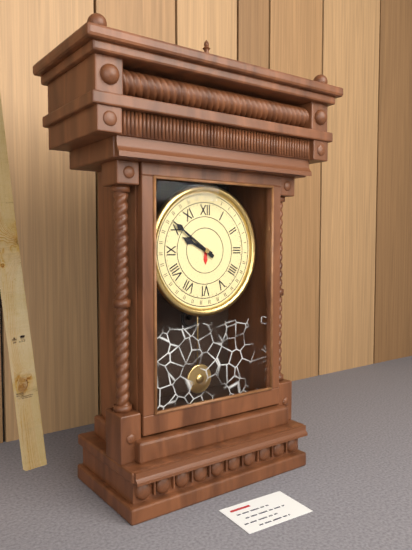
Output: **9:51**
